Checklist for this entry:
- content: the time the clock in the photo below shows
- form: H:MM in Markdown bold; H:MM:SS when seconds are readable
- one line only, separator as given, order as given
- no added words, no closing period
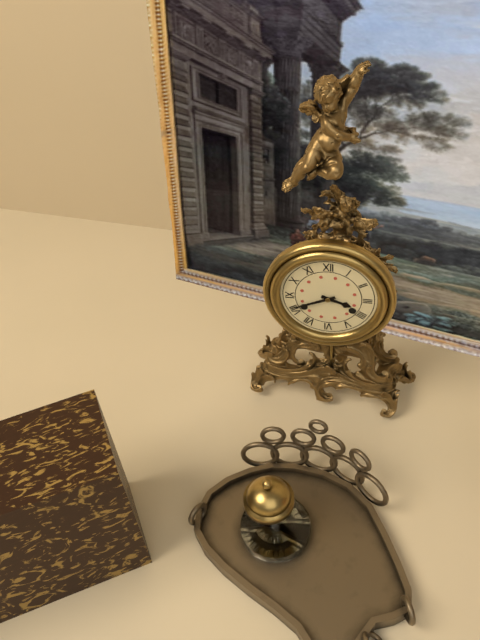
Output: **3:41**
